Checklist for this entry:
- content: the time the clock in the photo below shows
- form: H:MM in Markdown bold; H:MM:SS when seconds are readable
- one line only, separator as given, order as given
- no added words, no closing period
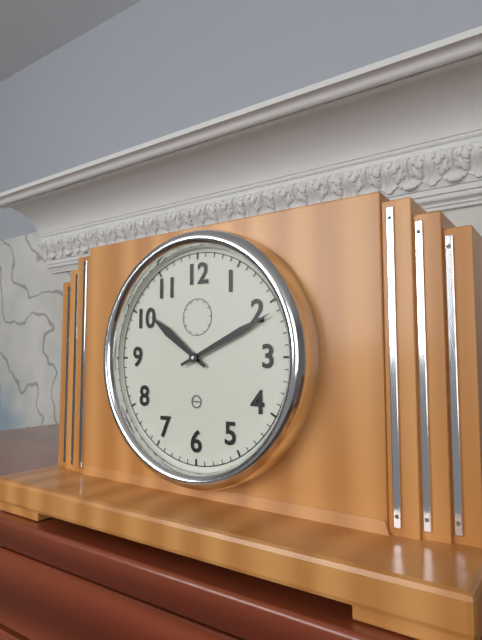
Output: **10:11**
